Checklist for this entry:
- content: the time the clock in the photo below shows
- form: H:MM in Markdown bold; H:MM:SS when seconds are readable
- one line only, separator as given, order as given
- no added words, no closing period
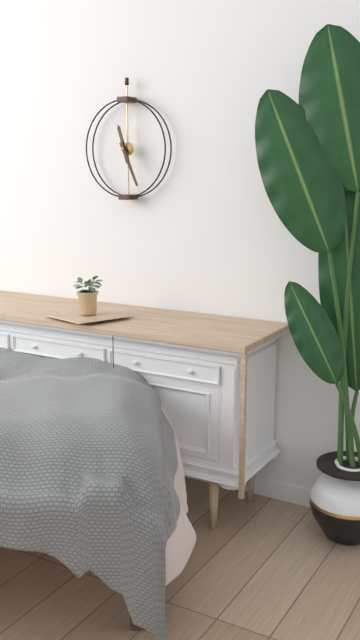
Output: **11:26**
